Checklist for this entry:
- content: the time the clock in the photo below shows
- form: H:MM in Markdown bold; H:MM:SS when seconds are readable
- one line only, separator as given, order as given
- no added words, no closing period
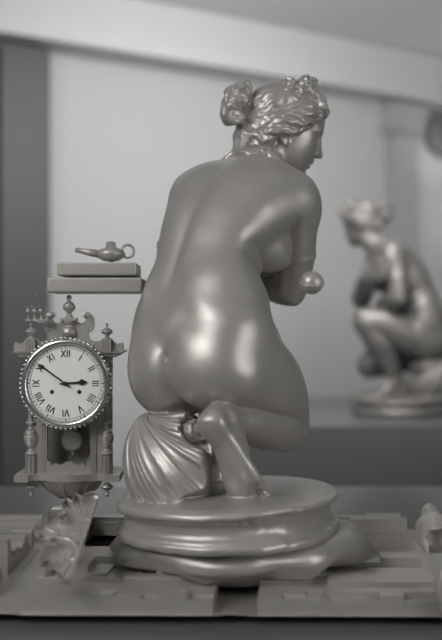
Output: **2:51**
